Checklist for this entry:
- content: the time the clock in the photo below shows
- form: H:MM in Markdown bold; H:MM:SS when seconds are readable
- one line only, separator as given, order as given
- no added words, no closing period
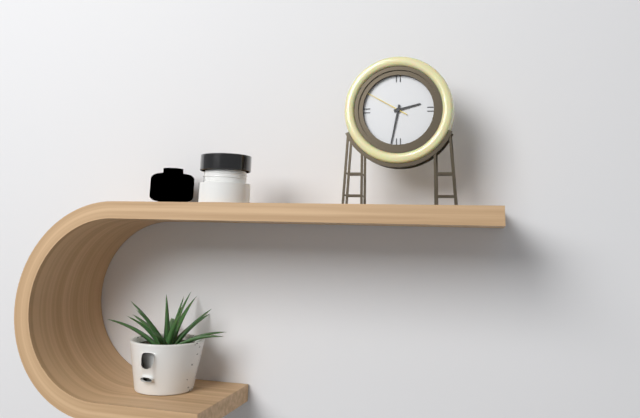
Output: **2:32**
